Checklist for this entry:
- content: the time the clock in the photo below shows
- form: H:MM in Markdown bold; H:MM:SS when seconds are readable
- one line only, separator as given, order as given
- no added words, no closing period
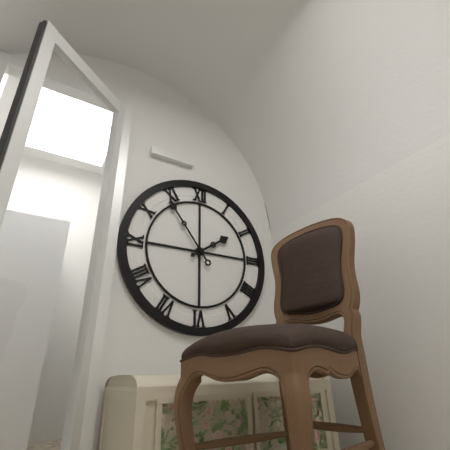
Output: **1:54**
